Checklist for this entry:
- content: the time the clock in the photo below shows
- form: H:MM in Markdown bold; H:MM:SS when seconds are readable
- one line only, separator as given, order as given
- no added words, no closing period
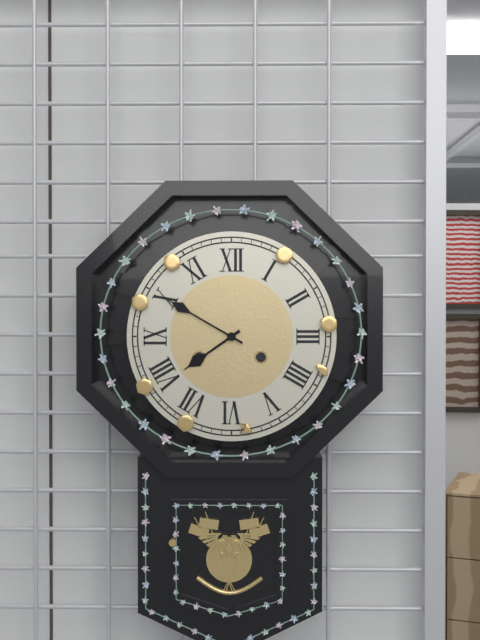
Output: **7:50**
